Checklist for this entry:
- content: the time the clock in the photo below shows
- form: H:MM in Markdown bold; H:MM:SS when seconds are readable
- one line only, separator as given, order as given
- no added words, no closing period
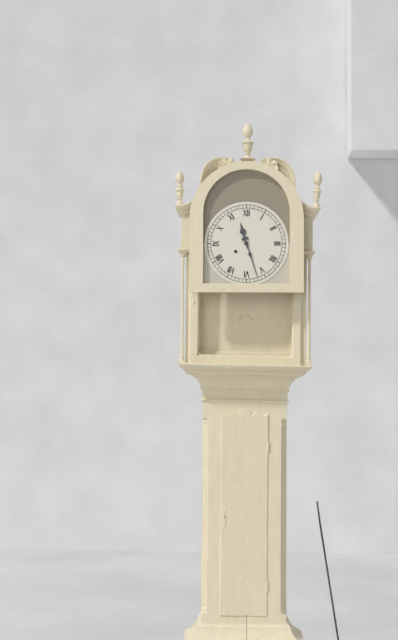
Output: **11:27**
